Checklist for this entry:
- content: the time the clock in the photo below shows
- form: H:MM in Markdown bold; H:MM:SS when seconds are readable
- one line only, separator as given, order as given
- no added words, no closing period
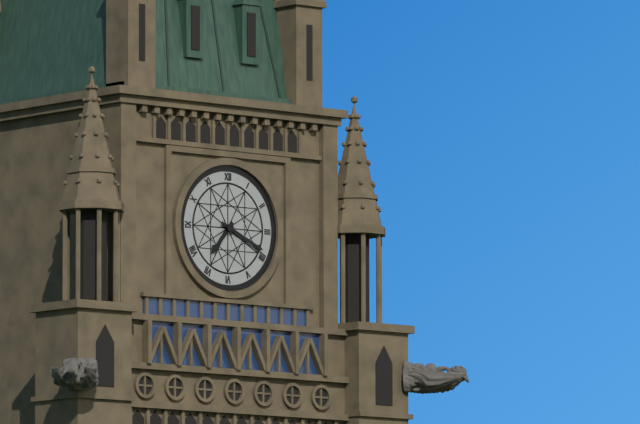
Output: **7:19**
